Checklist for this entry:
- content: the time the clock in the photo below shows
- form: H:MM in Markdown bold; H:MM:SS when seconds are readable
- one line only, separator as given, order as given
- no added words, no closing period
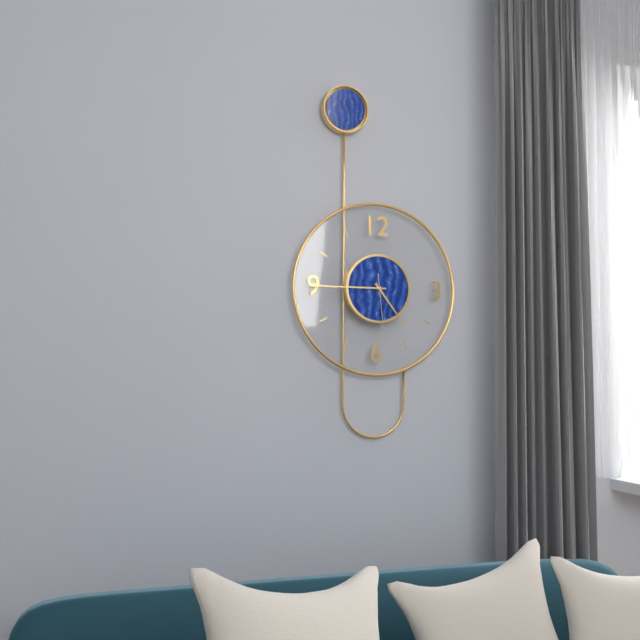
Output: **4:45:29**
